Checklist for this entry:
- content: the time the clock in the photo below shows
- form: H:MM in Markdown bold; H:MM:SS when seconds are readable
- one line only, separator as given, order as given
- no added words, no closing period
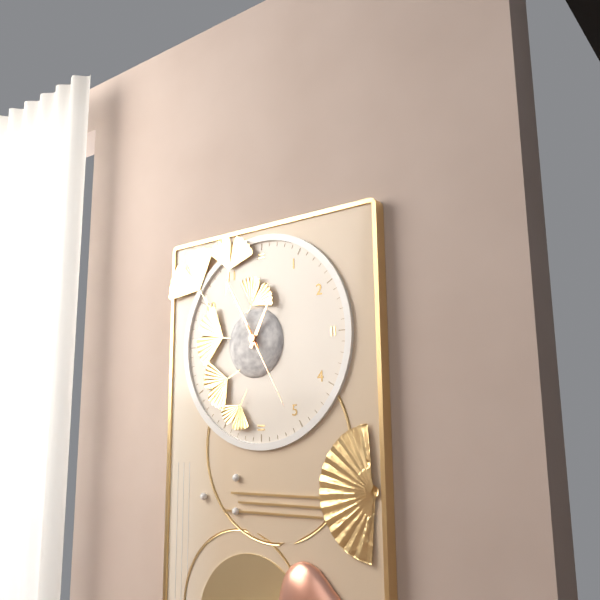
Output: **12:55:25**
